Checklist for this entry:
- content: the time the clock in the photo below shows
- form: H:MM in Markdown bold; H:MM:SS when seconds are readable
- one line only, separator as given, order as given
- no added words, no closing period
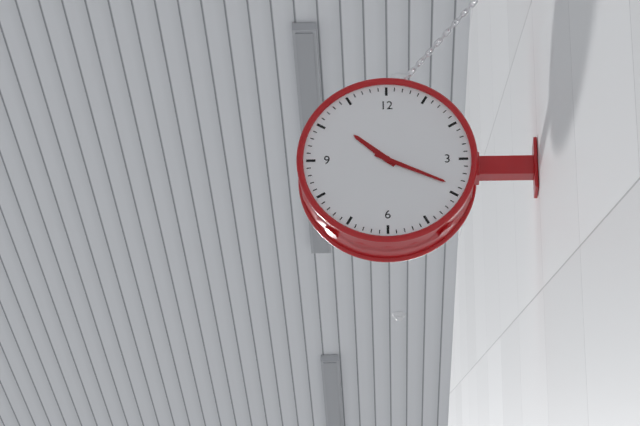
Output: **10:19**
